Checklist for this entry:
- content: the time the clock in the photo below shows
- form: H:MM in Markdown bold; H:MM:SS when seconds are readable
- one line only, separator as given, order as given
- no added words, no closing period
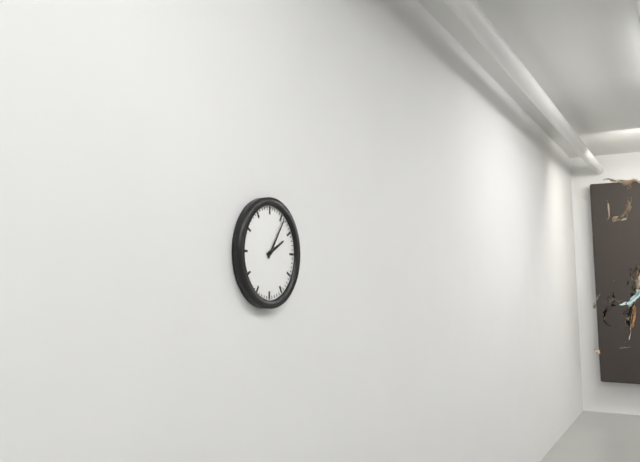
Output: **2:06**
